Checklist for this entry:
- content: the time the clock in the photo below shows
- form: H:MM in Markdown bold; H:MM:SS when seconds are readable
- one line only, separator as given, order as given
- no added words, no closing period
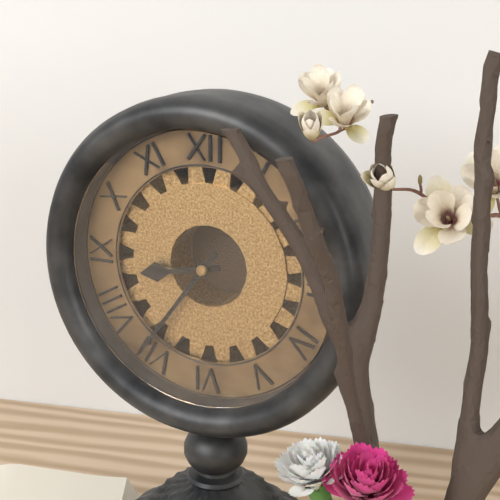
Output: **8:36**
